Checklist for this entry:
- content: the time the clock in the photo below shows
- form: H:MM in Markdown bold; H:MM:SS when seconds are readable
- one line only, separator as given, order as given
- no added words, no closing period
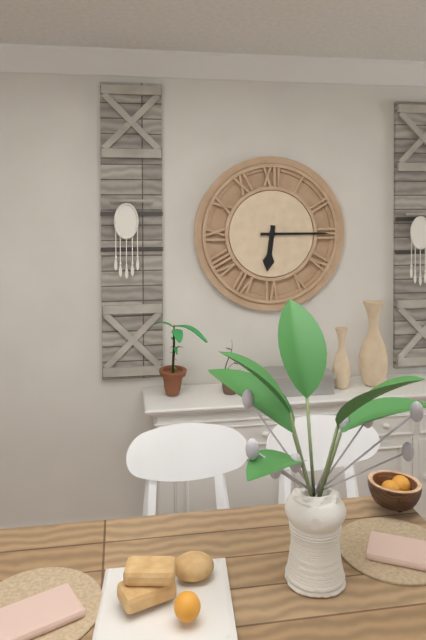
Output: **6:15**
